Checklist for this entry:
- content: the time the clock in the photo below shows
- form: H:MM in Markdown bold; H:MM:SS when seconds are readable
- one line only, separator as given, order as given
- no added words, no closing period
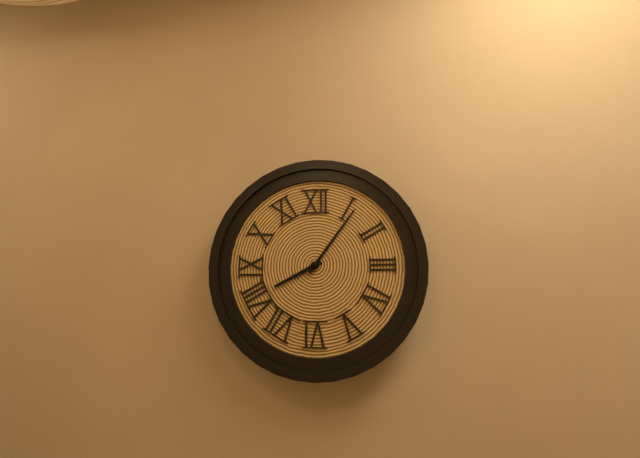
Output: **8:06**
